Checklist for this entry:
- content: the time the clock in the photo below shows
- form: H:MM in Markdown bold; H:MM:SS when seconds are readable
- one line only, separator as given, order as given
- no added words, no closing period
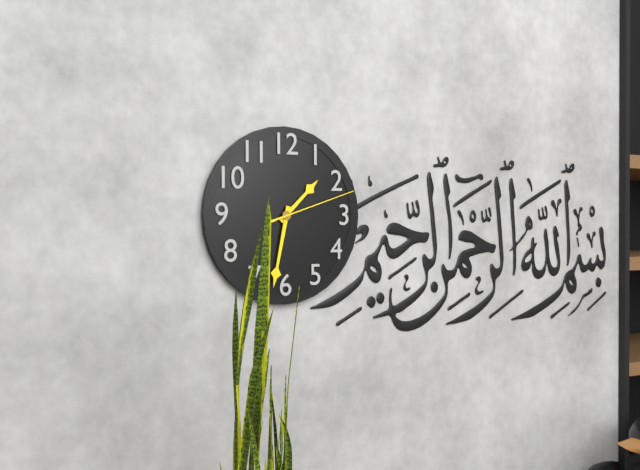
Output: **1:32:12**
